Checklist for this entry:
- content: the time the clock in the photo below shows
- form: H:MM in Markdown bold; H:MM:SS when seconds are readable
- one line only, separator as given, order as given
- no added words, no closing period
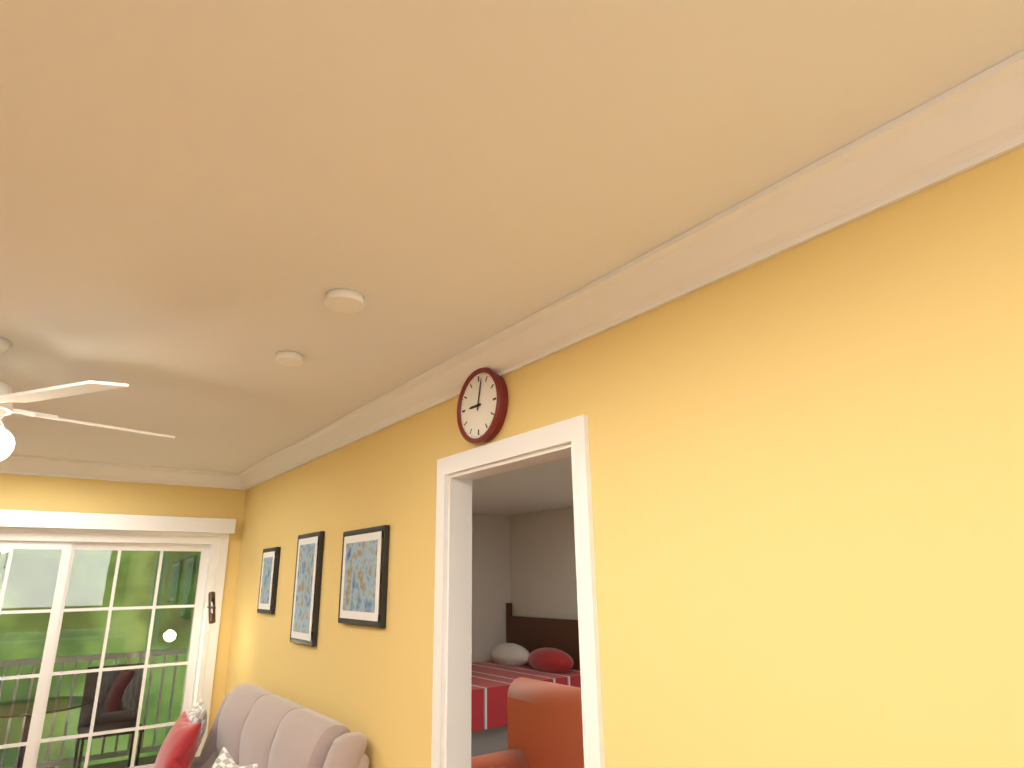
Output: **9:02**
